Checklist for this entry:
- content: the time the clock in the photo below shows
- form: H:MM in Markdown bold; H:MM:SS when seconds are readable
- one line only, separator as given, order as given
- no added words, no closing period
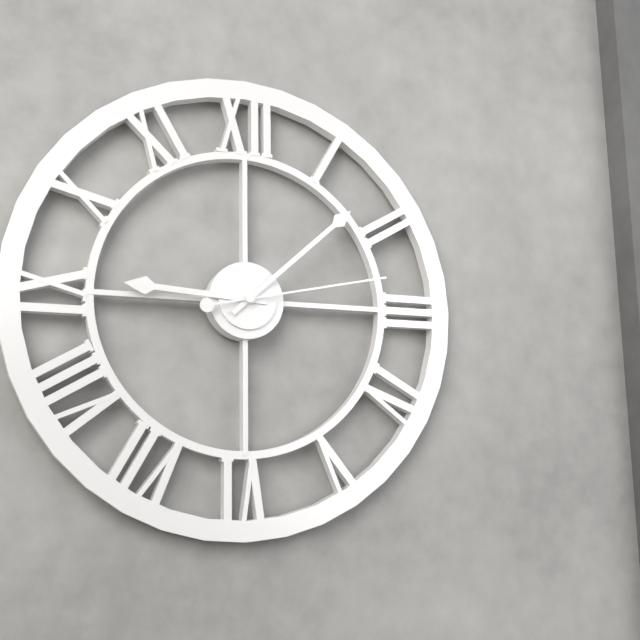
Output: **9:08:13**
